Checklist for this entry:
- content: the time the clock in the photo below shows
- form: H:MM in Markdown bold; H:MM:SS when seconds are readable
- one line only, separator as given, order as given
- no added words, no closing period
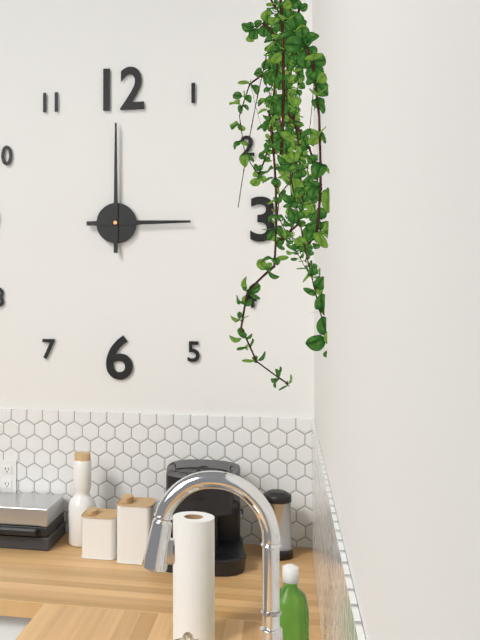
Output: **3:00**
